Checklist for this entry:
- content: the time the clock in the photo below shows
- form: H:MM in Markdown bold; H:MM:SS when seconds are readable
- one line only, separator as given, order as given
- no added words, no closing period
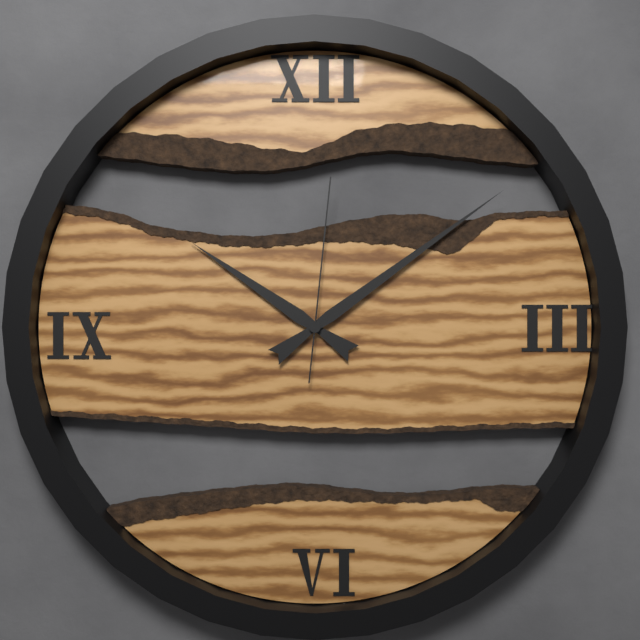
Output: **10:09:01**
